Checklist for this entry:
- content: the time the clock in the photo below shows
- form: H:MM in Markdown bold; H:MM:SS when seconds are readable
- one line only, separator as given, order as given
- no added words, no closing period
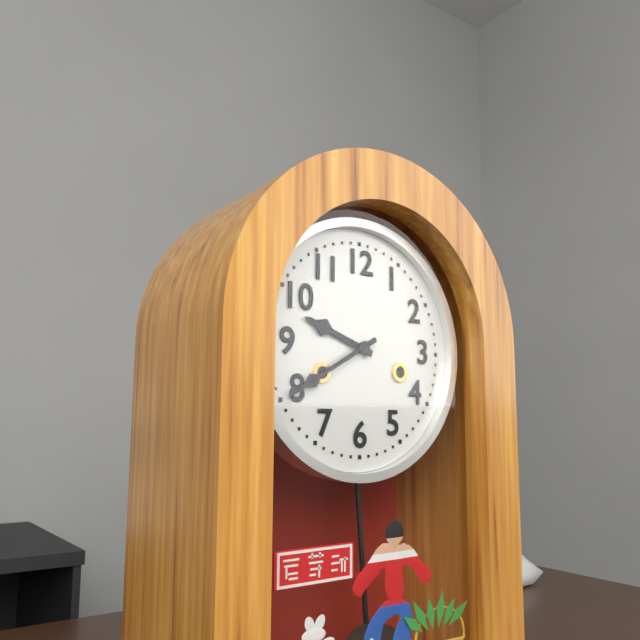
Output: **9:40**
